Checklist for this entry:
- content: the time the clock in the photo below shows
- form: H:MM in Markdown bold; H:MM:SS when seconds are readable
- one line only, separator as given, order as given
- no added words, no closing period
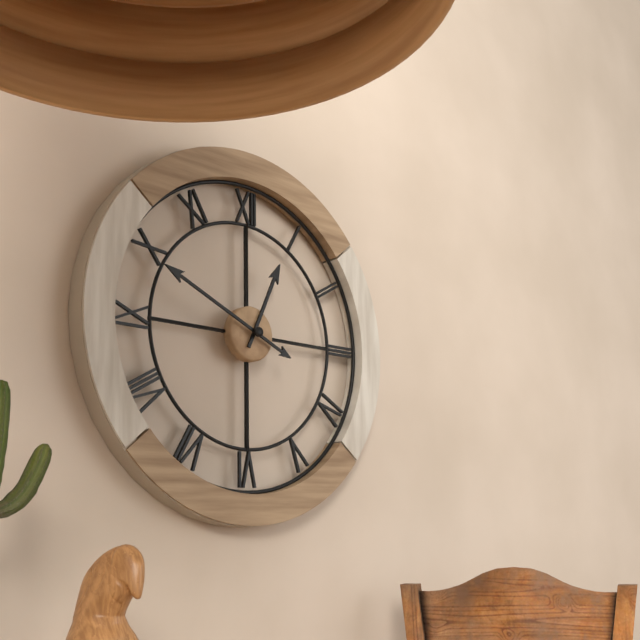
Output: **12:49**
